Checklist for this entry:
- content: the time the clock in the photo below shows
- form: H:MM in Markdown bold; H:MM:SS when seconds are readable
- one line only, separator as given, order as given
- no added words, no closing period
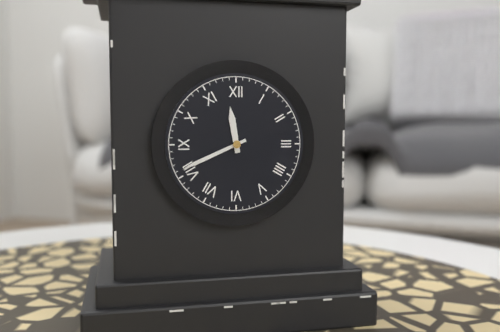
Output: **11:41**
